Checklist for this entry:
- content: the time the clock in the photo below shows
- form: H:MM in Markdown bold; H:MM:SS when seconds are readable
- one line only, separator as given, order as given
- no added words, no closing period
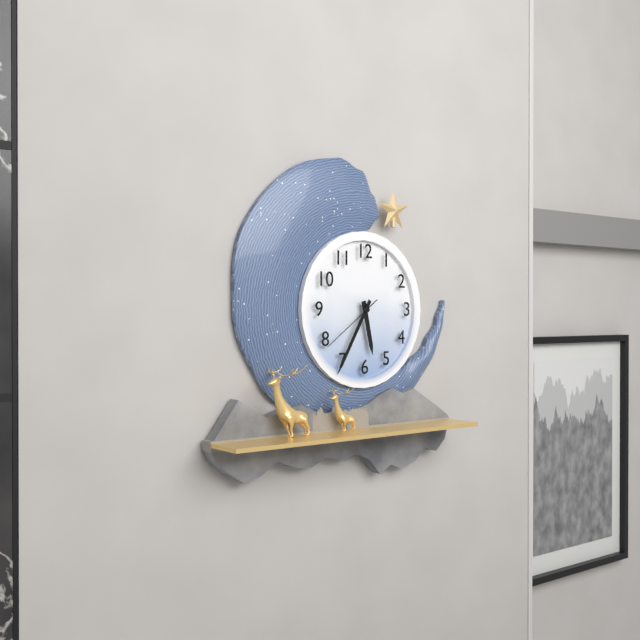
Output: **5:35:39**
